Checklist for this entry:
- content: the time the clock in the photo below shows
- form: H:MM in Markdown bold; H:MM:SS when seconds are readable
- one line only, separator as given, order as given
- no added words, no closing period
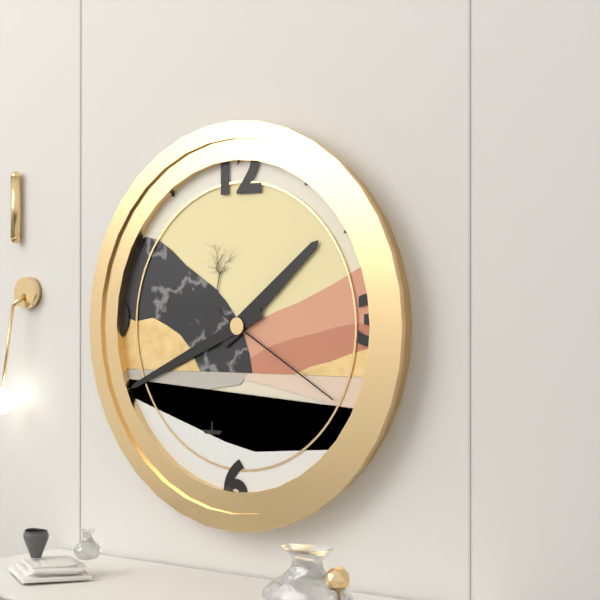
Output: **1:41:20**
